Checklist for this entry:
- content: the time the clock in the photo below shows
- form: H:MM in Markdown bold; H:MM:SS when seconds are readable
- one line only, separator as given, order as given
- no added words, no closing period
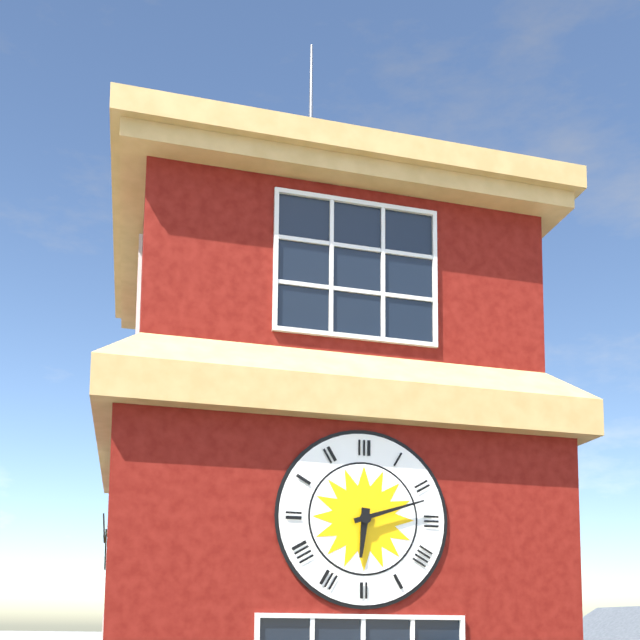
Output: **6:12**
